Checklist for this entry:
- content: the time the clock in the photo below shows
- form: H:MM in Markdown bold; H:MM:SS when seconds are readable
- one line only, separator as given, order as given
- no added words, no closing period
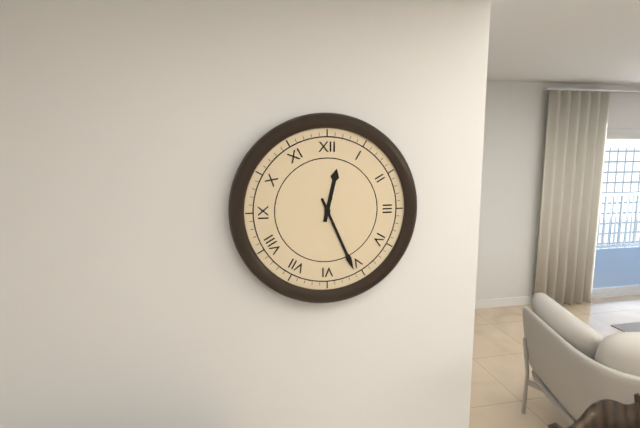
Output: **12:26**
